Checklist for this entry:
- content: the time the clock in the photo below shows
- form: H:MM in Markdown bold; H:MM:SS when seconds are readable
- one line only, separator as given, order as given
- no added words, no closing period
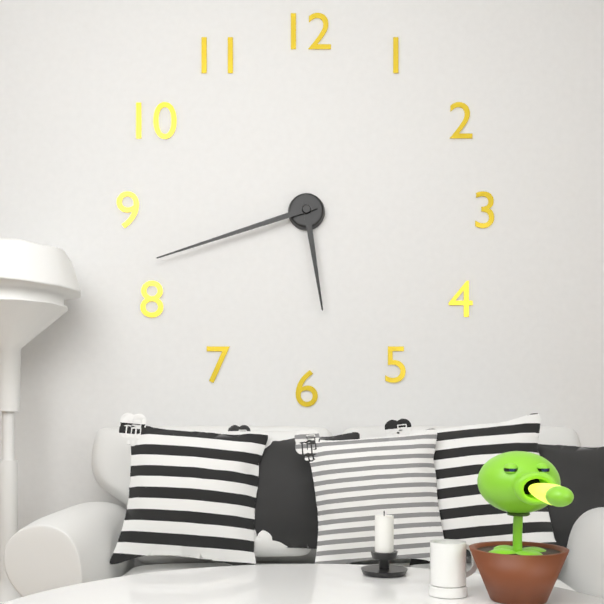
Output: **5:42**
